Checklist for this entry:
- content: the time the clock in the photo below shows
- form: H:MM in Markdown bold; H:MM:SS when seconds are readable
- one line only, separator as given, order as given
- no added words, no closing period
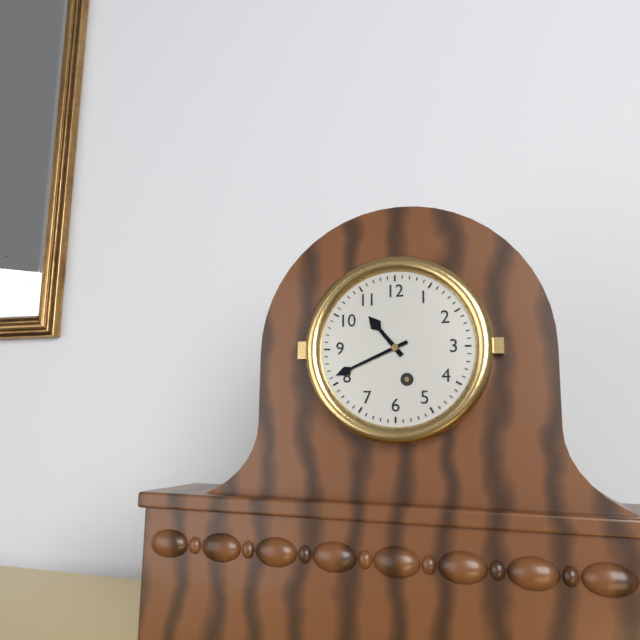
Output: **10:41**
